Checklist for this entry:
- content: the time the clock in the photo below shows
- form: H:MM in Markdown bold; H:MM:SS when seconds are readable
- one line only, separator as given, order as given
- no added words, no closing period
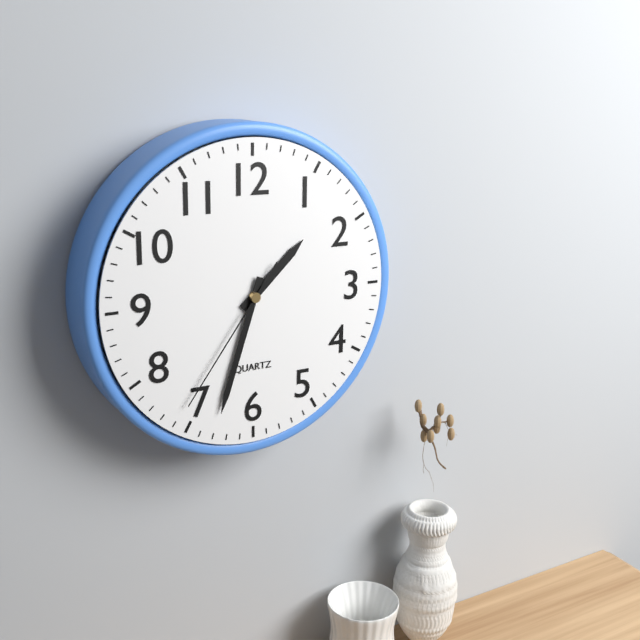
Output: **1:33:36**
